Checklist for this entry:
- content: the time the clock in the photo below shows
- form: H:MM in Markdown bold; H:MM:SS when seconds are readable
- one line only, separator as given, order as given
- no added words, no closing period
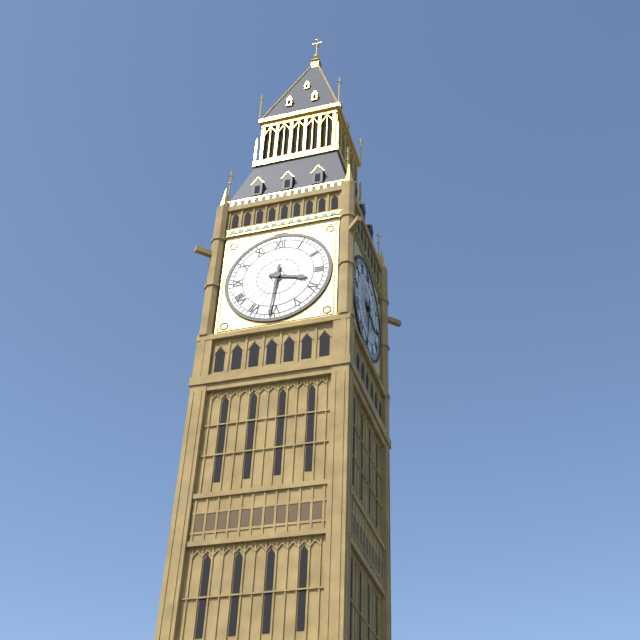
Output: **3:31**
